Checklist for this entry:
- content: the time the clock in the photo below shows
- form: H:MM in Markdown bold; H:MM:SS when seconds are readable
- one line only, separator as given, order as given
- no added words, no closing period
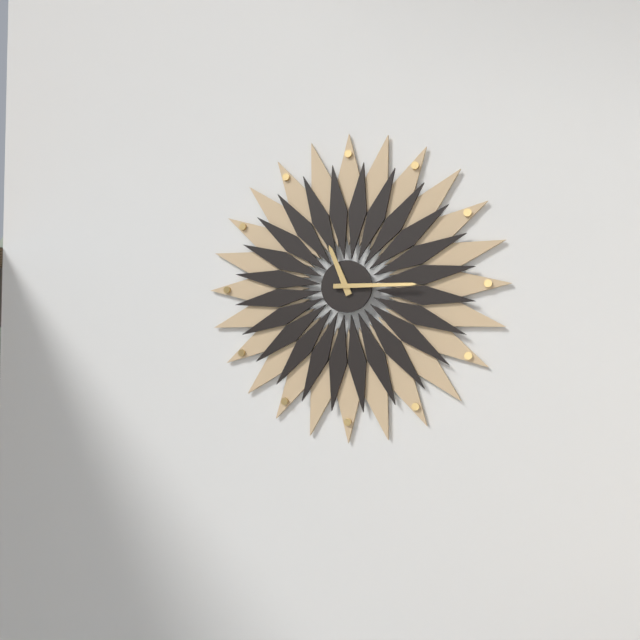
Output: **11:15**
